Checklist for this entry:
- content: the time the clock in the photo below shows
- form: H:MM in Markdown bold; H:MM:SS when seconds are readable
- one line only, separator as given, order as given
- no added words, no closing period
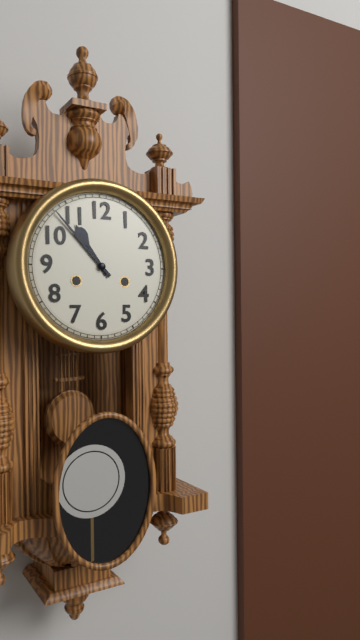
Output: **10:53**
